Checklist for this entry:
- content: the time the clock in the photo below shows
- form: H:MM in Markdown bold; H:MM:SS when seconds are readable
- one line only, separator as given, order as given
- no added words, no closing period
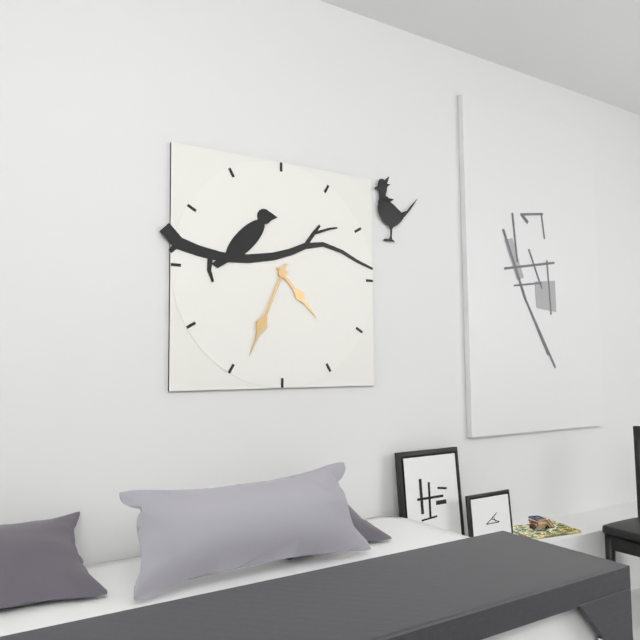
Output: **4:34**
